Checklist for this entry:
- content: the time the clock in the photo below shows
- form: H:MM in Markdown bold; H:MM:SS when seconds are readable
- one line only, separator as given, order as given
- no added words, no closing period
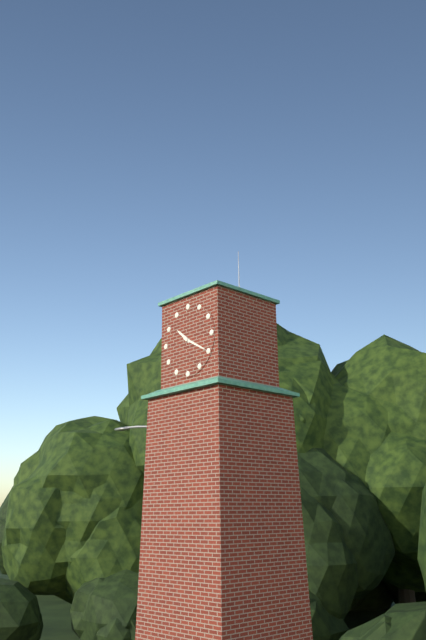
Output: **10:20**
